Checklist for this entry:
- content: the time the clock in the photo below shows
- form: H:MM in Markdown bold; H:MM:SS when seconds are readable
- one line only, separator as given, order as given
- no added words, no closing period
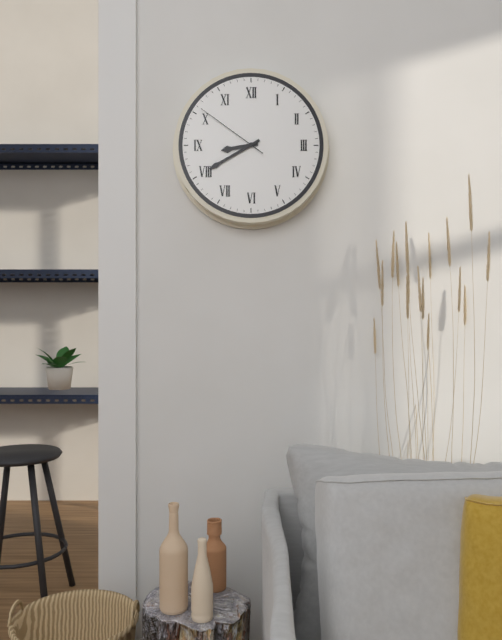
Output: **8:40:51**
